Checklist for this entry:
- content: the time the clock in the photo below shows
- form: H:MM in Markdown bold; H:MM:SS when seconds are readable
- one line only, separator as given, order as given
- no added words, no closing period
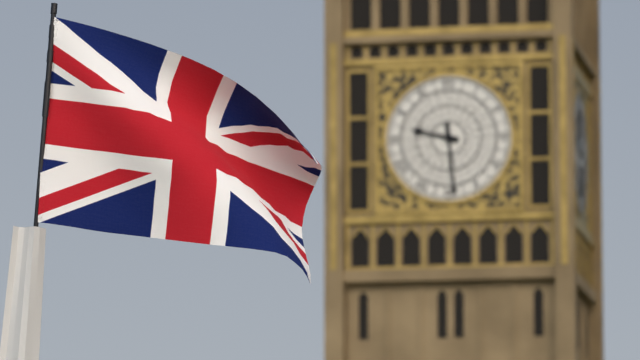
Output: **9:29**
